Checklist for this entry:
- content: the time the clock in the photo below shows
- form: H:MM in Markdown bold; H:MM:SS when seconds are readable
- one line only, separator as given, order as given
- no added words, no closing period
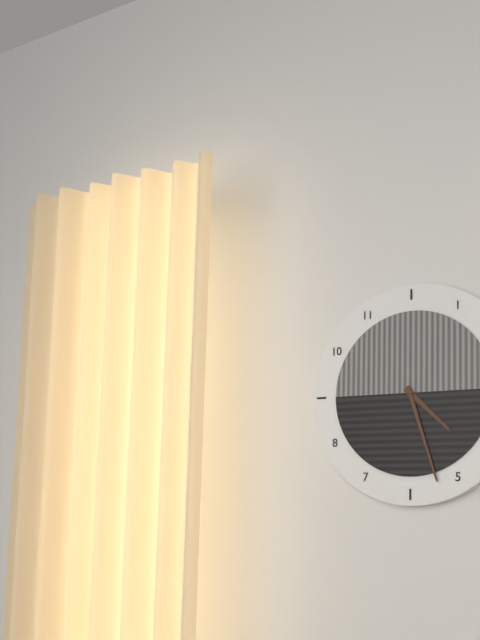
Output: **4:27**
